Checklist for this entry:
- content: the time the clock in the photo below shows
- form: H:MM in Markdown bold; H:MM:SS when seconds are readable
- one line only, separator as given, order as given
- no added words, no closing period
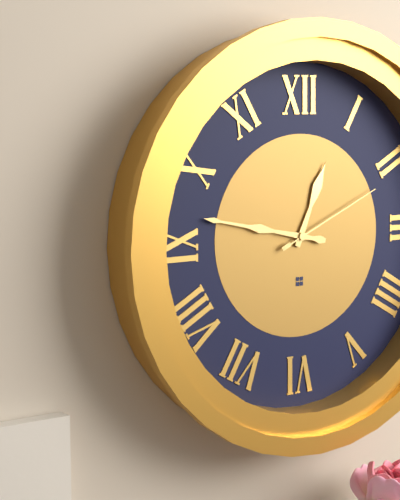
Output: **12:47:11**
